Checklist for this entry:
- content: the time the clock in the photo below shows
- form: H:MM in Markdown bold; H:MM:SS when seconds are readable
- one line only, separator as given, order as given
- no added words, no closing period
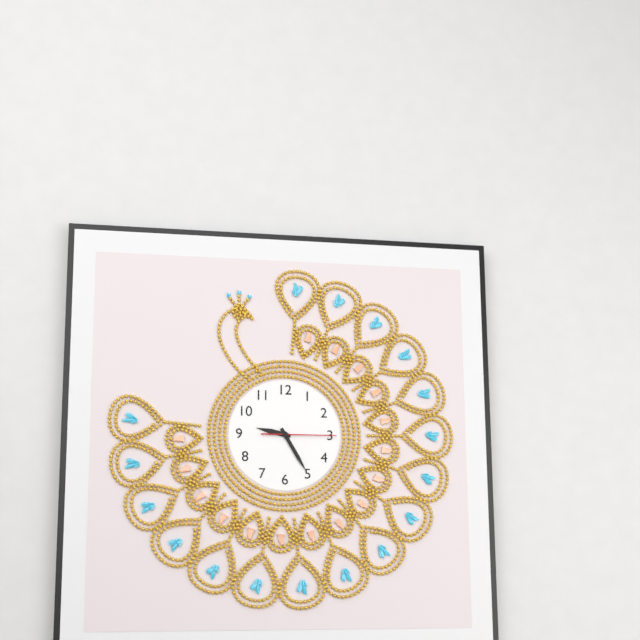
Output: **9:25:15**
